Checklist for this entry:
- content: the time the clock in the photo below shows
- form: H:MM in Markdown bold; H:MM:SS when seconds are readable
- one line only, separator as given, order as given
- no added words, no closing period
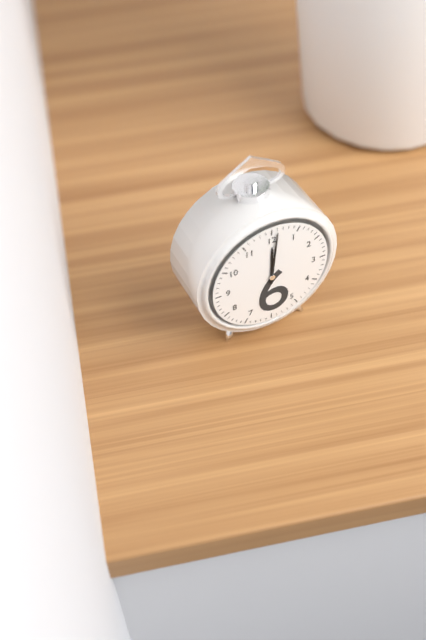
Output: **12:01**
